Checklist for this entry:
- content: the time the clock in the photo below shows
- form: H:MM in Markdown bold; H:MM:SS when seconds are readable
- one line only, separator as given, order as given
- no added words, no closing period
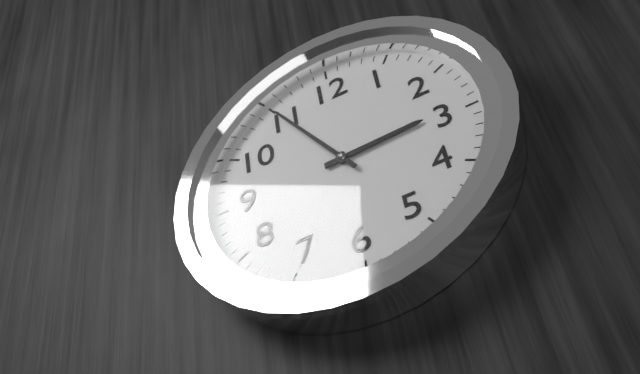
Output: **2:55**
